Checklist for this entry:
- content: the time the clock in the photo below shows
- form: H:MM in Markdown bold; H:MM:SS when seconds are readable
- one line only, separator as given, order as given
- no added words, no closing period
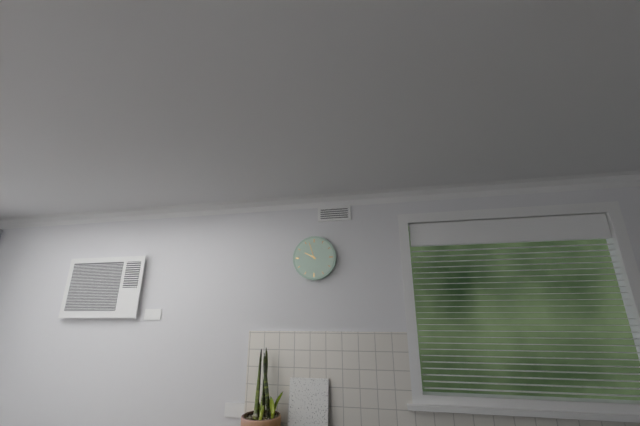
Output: **9:57**
